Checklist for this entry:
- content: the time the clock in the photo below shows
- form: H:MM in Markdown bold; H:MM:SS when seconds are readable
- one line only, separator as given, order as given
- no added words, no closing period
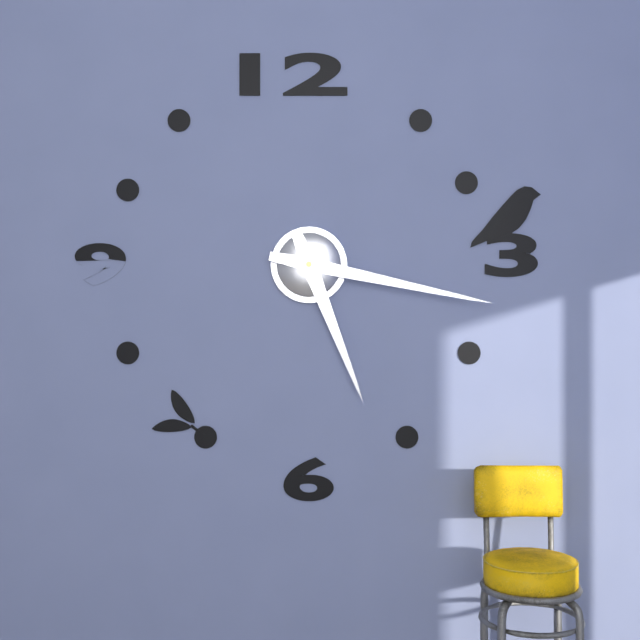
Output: **5:17**
